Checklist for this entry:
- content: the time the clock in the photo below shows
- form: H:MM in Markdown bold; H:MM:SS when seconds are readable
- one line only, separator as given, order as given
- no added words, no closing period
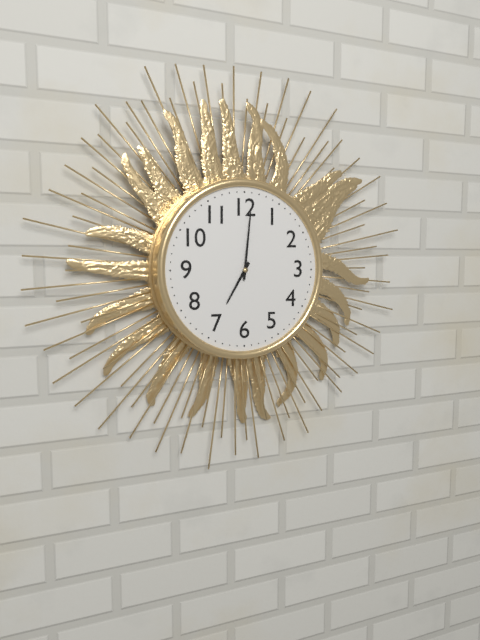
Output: **7:01**
